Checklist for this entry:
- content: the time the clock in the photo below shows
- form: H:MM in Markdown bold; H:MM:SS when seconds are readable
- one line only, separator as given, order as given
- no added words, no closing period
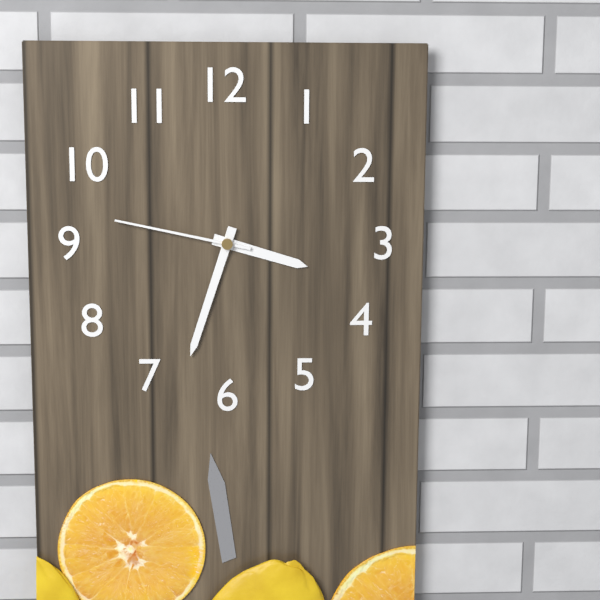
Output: **3:33:47**
